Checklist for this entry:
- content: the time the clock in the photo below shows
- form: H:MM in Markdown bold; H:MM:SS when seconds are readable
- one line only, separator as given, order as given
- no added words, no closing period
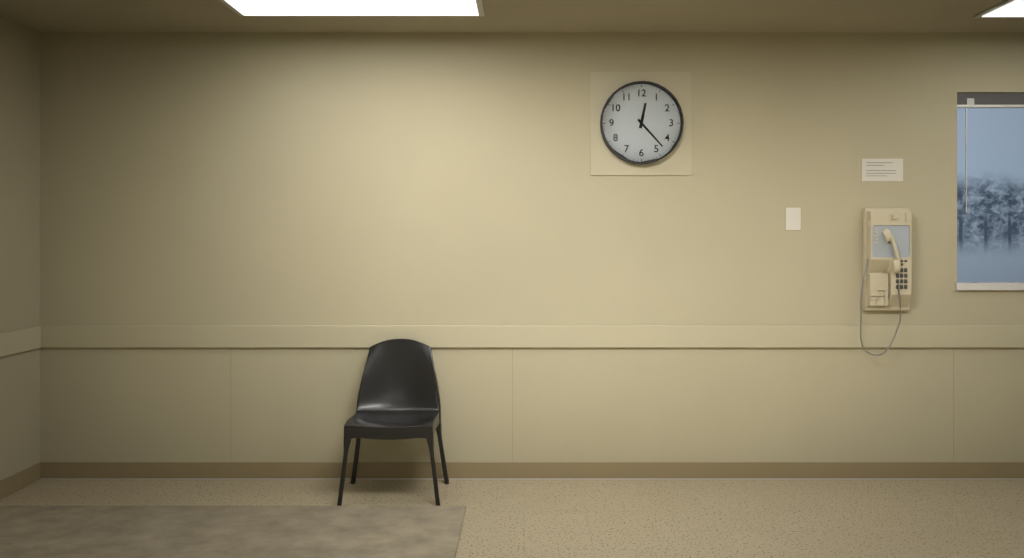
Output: **12:23**
